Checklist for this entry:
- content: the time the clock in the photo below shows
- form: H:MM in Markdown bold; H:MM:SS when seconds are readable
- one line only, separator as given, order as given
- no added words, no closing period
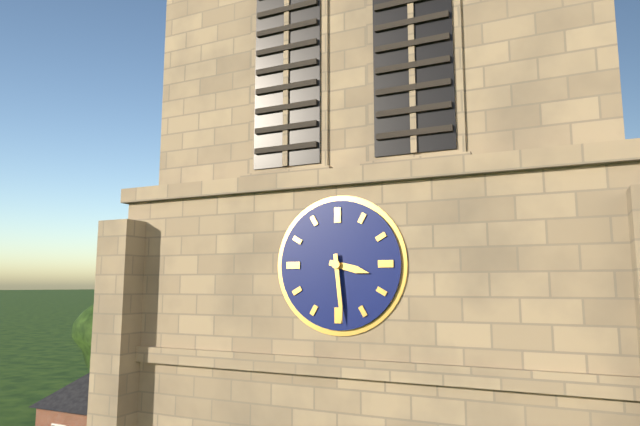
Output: **3:29**
